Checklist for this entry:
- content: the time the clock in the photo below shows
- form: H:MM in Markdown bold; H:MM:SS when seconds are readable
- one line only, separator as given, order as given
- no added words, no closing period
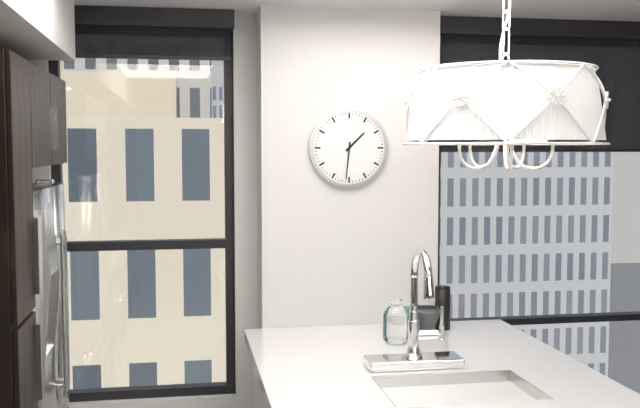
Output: **1:31**
